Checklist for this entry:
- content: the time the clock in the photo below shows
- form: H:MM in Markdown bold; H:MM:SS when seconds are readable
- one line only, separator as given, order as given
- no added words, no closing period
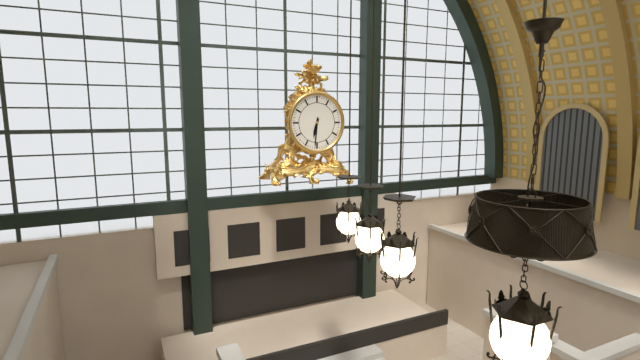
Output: **6:31**
